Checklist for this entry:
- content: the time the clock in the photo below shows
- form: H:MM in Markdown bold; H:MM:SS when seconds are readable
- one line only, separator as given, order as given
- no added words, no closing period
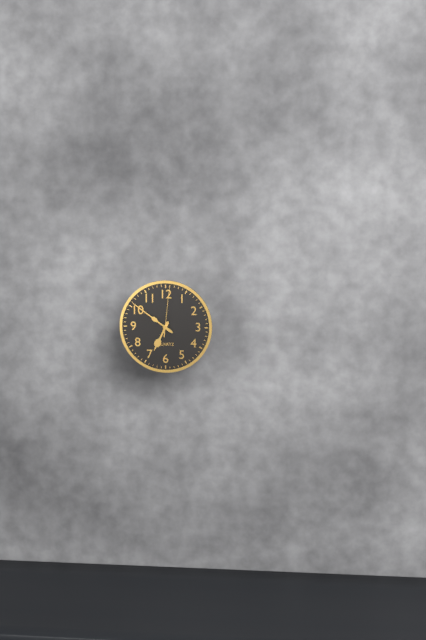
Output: **6:51:01**
